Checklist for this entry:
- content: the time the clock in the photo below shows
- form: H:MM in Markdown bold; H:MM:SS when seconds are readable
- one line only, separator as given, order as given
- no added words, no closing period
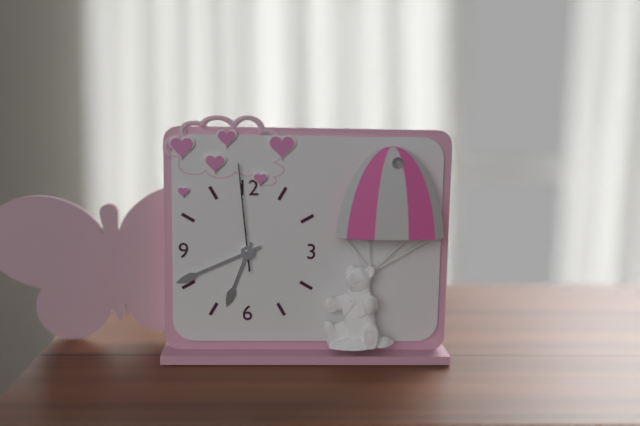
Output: **6:41:59**
